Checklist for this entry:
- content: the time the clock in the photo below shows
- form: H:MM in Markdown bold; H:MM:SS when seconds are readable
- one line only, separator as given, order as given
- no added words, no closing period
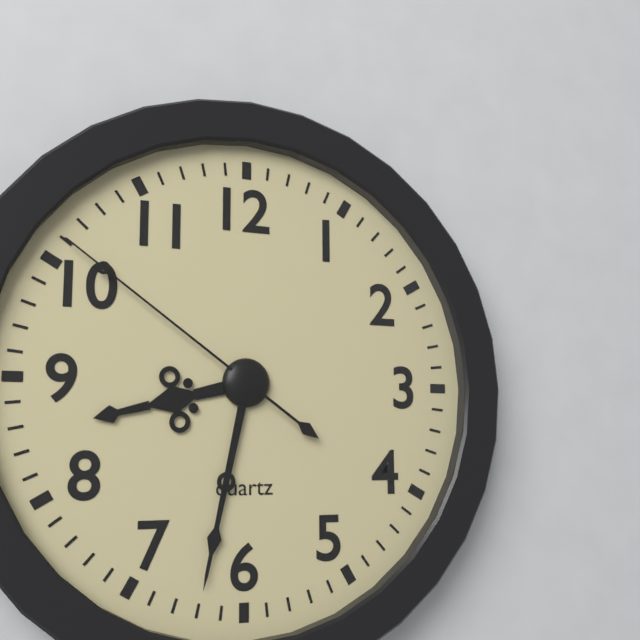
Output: **8:32:51**
